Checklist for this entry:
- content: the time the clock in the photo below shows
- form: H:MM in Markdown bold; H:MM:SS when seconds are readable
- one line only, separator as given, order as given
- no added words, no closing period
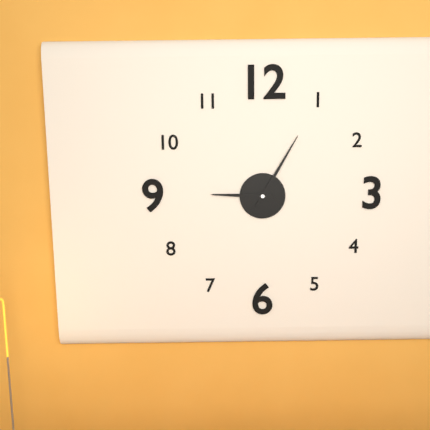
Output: **9:05**
